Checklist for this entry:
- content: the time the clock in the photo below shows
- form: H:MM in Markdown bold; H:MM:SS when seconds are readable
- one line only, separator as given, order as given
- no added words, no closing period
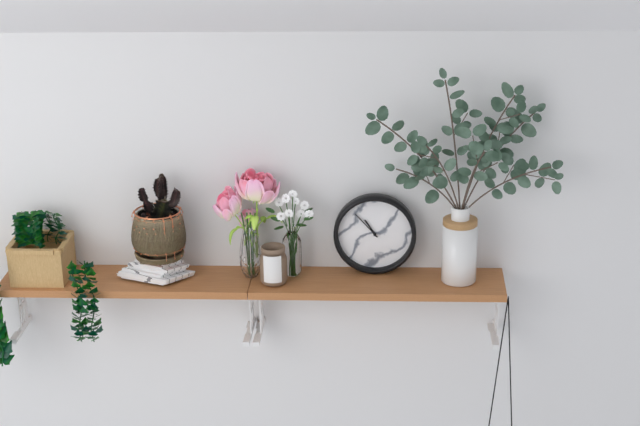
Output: **10:53**
